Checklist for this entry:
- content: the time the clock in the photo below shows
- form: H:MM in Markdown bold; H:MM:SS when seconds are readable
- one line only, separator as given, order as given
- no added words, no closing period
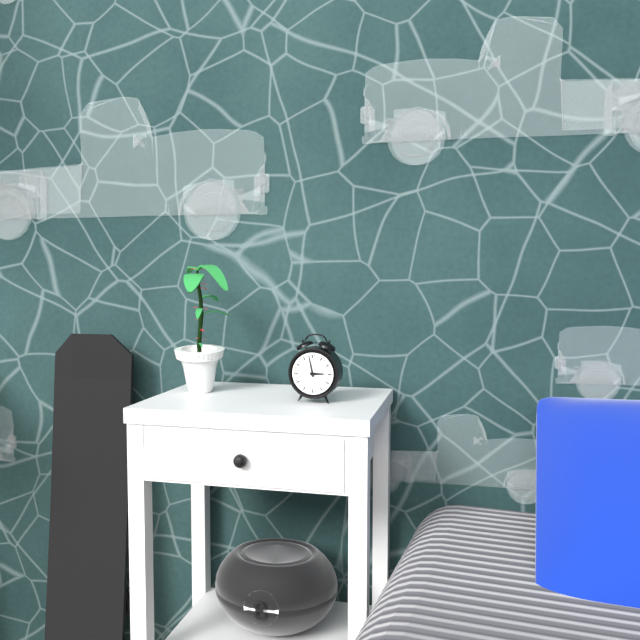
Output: **2:58**
